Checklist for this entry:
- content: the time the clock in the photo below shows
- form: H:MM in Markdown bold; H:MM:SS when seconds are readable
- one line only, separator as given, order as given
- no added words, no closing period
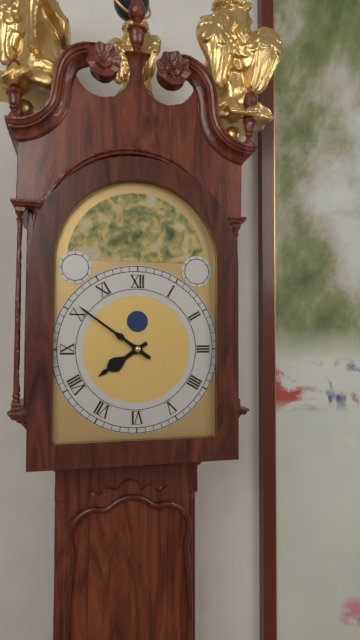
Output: **7:51**
